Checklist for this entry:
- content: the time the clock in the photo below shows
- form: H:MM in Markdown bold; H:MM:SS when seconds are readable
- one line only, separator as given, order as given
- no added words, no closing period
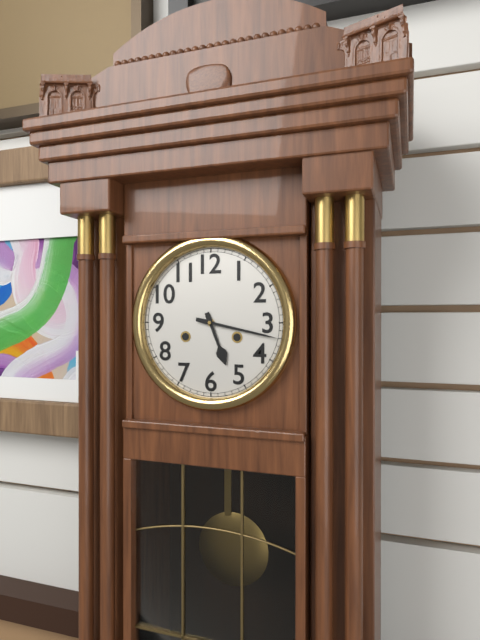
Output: **5:17**
